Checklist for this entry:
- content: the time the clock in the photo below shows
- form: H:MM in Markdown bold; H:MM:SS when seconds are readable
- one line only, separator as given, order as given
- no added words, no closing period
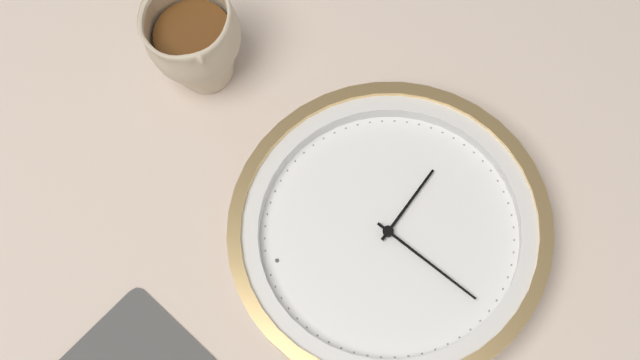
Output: **4:39**
